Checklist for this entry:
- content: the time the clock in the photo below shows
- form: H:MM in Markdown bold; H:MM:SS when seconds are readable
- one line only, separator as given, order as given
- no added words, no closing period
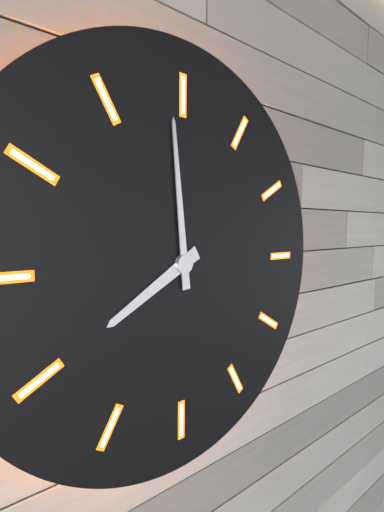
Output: **7:59**
